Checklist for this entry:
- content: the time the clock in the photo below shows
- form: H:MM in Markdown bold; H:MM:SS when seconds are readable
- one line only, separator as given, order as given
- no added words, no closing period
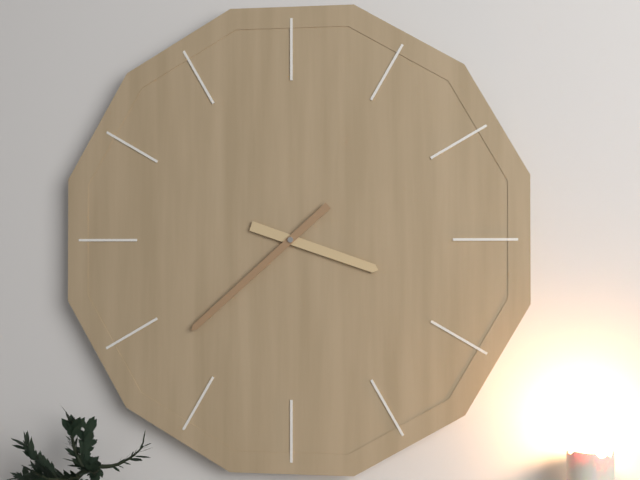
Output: **3:38**
